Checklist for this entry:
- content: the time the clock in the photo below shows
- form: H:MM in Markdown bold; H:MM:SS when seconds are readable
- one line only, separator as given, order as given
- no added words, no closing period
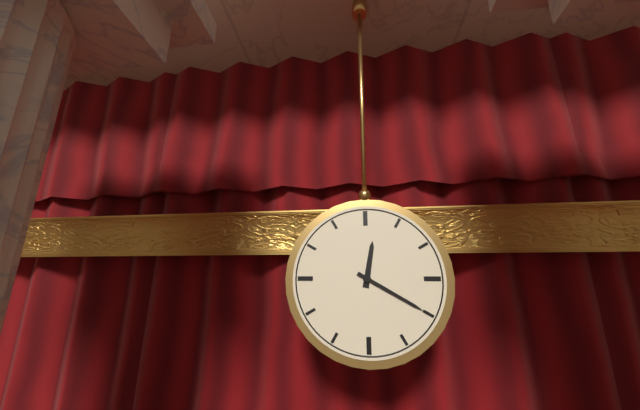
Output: **12:20**
